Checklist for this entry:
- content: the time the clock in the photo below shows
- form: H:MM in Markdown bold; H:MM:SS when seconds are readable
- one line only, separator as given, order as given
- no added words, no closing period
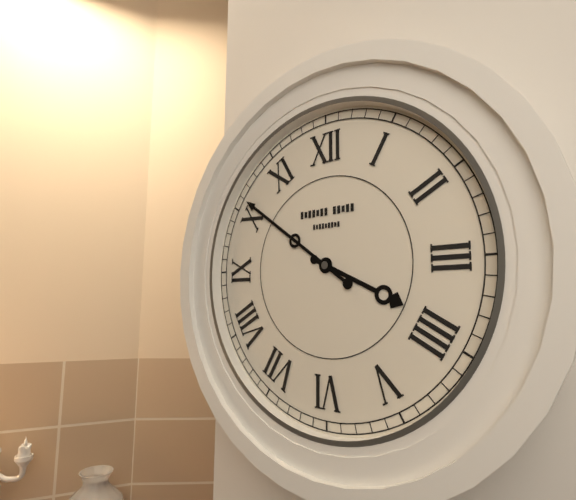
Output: **3:51**
